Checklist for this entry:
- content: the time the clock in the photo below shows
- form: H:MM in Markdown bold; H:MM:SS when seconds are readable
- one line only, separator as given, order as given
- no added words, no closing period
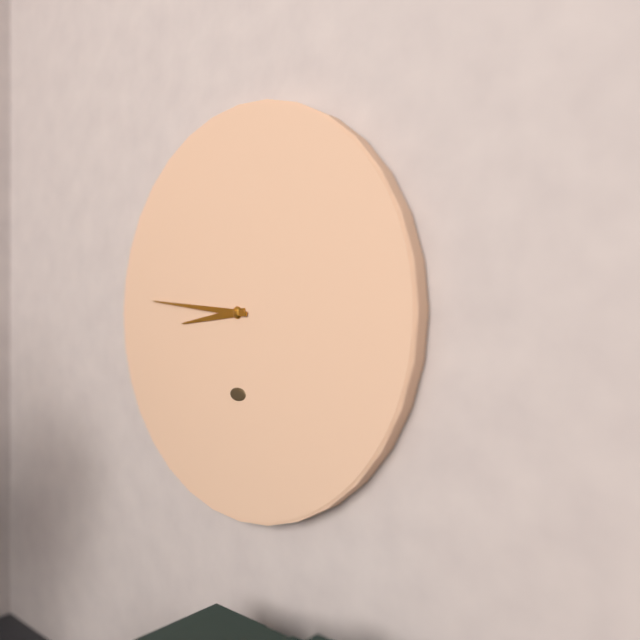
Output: **8:46**
